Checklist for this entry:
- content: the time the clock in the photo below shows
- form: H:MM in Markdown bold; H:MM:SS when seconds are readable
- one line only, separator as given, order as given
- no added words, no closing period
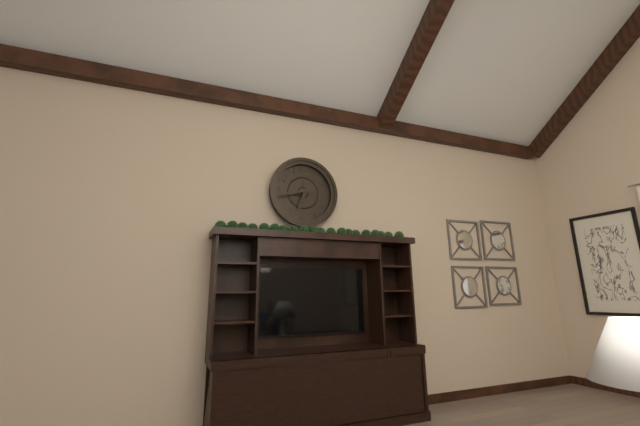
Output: **6:43**
